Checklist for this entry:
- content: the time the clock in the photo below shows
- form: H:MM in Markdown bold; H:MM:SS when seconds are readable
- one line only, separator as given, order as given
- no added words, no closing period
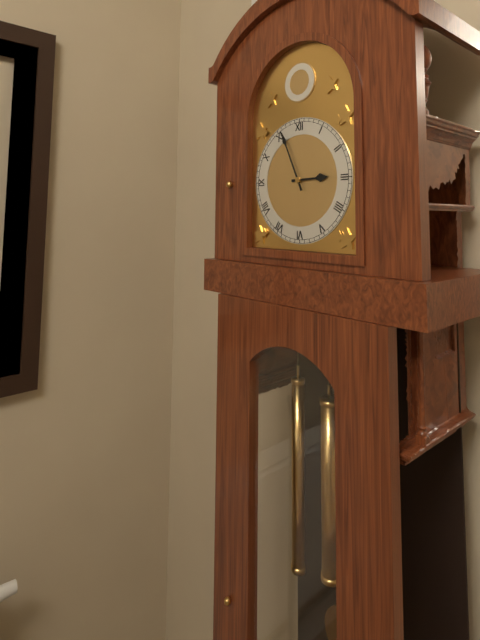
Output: **2:56**
